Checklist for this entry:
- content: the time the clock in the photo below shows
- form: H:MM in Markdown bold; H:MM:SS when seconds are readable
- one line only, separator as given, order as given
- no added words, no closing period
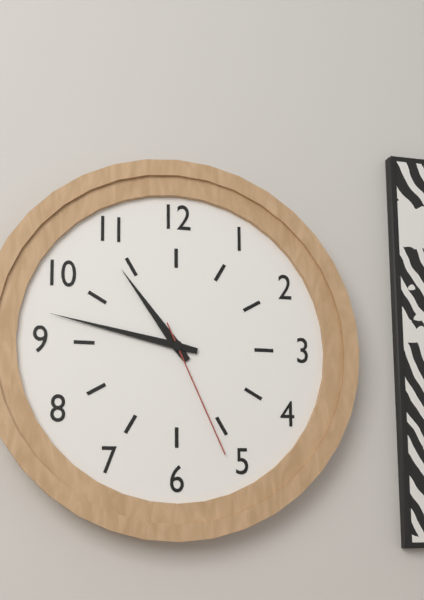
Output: **10:47:26**
